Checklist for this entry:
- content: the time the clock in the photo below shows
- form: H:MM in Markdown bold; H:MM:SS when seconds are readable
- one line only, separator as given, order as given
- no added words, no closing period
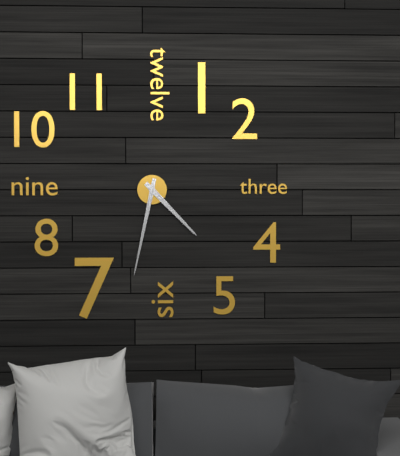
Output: **4:32**
